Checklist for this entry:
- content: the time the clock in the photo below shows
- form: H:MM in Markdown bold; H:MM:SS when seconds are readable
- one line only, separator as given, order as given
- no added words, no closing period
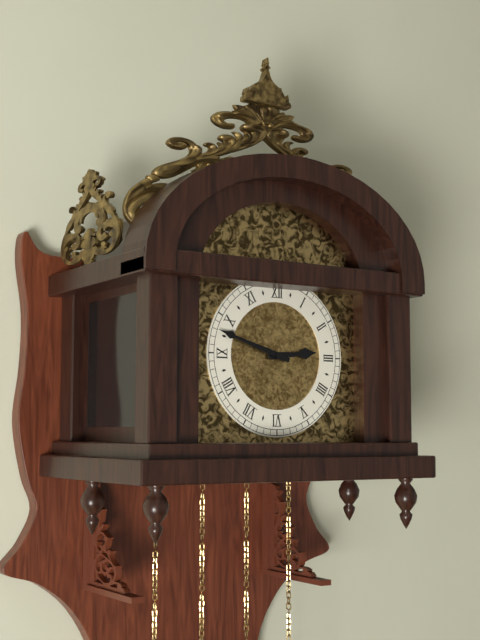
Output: **2:48**
